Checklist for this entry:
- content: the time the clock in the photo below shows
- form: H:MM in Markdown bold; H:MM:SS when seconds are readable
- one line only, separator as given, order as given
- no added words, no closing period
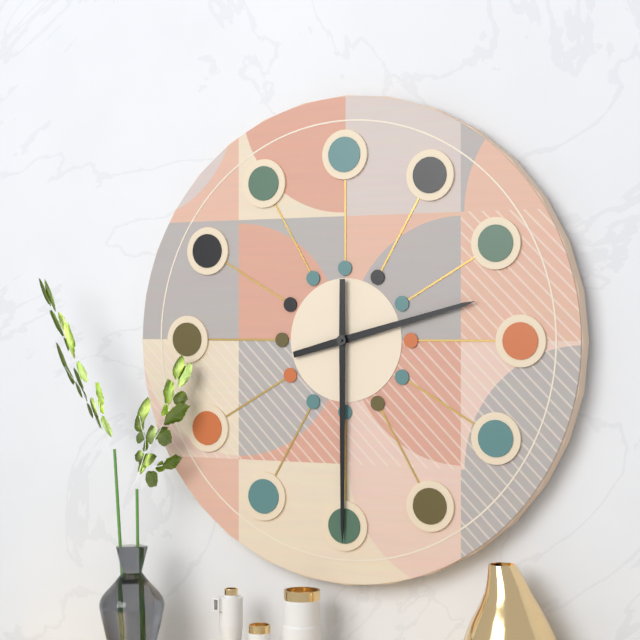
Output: **2:30**
